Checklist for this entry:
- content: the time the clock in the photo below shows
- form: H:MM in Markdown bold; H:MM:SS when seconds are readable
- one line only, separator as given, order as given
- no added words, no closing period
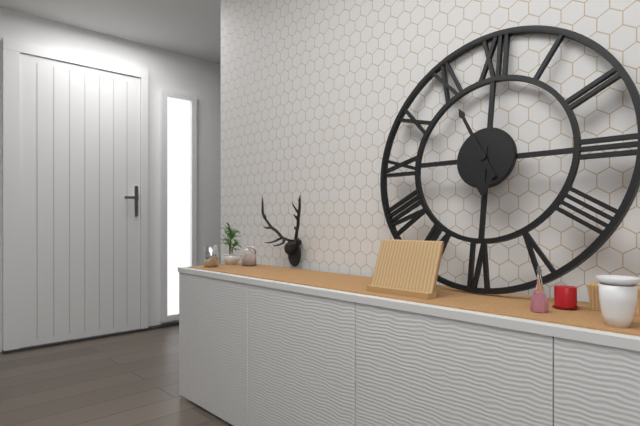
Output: **5:55**
